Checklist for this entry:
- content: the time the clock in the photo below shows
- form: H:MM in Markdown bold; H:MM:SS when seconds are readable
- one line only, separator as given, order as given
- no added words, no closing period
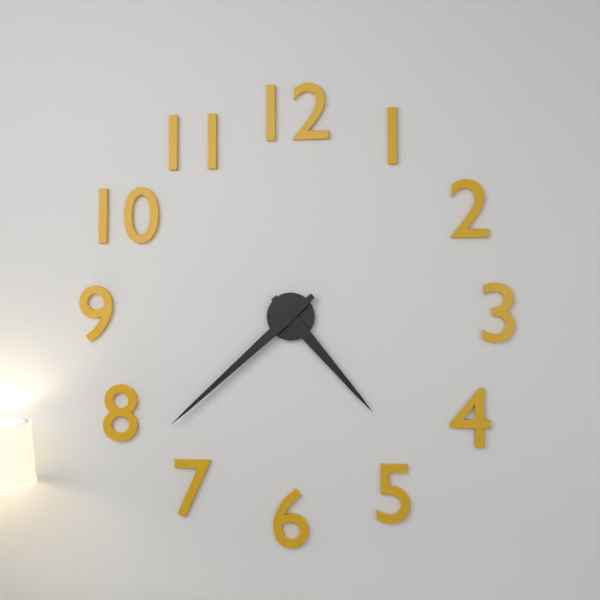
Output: **4:38**
